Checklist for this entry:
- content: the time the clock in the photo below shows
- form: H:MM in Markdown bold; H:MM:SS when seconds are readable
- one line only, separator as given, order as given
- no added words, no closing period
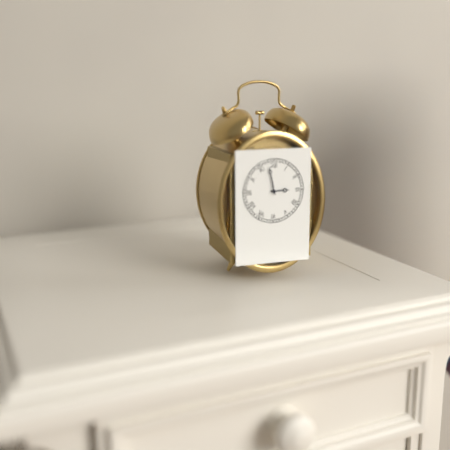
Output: **2:58**
